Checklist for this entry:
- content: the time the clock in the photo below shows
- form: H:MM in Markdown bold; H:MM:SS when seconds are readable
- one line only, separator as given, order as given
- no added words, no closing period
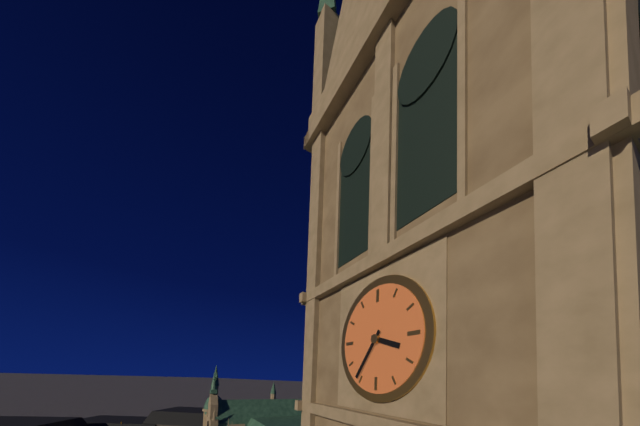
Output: **3:36**
